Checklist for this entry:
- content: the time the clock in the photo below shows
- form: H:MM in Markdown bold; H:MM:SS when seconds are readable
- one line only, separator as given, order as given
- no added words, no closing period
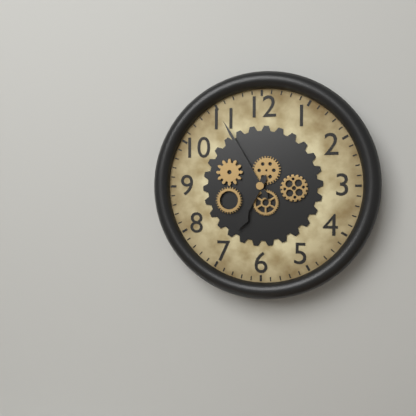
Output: **6:55**
